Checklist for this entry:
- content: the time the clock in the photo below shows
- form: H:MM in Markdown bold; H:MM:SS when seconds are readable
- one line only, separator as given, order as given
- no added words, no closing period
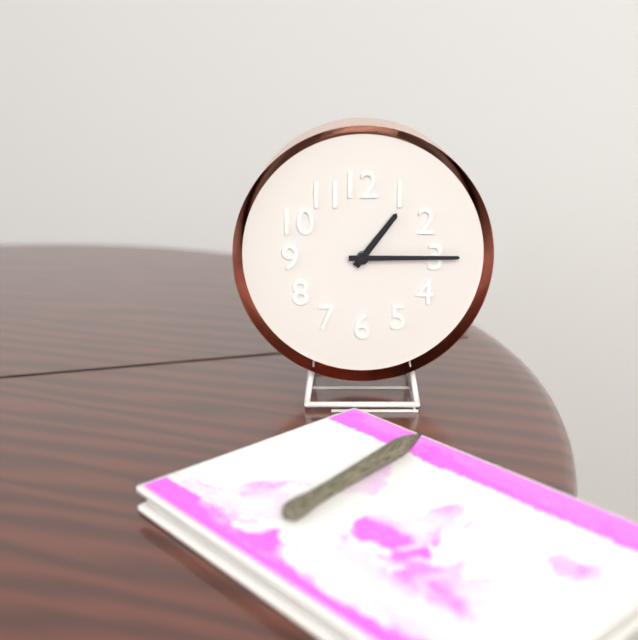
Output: **1:15**
